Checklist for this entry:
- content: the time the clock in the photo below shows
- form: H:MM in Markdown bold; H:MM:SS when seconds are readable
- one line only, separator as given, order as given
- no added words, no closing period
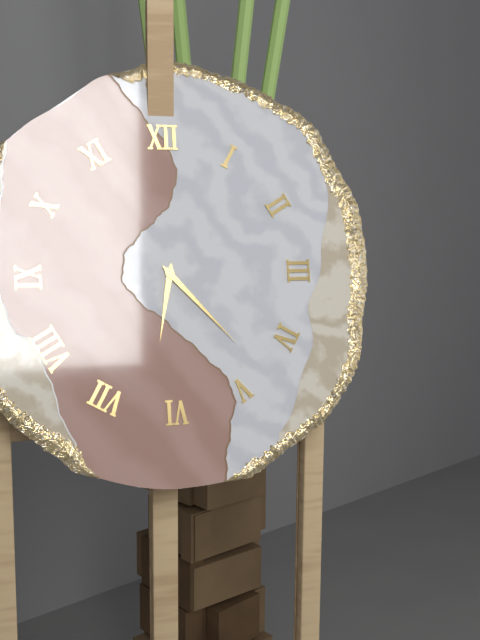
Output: **6:23**
